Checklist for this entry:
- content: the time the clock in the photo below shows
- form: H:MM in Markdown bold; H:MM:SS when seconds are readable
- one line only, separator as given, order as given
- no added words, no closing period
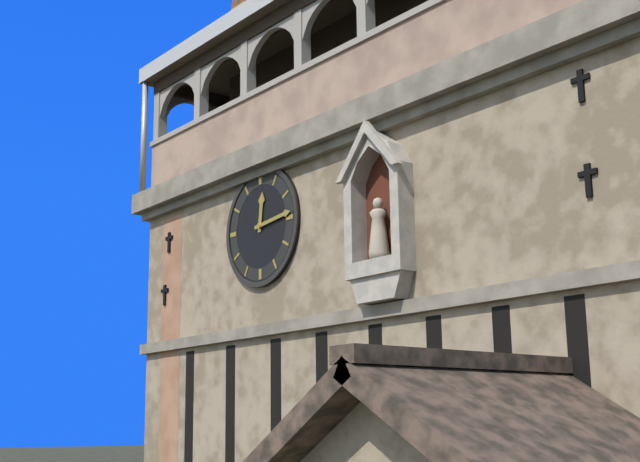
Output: **12:14**
